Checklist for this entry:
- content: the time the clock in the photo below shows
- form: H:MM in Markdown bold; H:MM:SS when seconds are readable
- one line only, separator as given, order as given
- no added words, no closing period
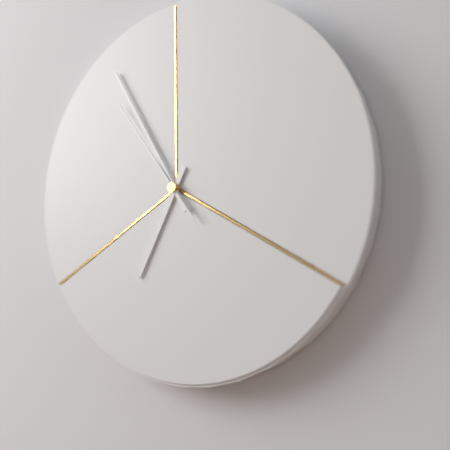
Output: **6:55:54**
